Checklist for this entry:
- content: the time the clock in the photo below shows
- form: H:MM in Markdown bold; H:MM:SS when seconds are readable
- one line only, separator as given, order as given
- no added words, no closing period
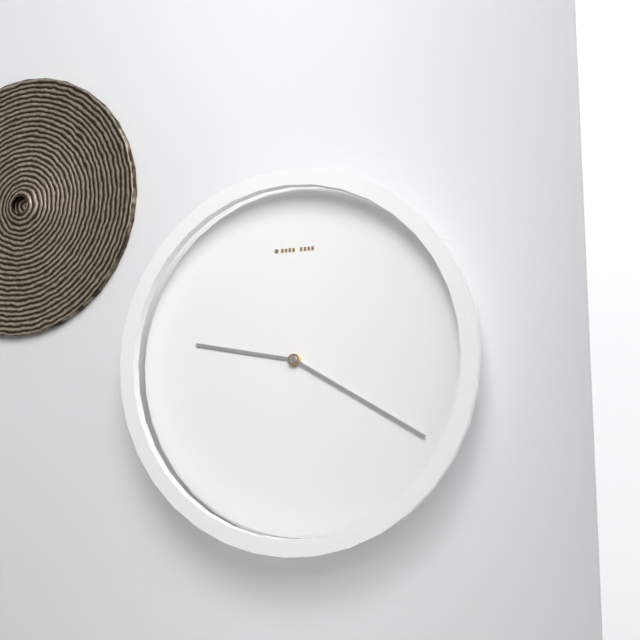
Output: **9:20**
